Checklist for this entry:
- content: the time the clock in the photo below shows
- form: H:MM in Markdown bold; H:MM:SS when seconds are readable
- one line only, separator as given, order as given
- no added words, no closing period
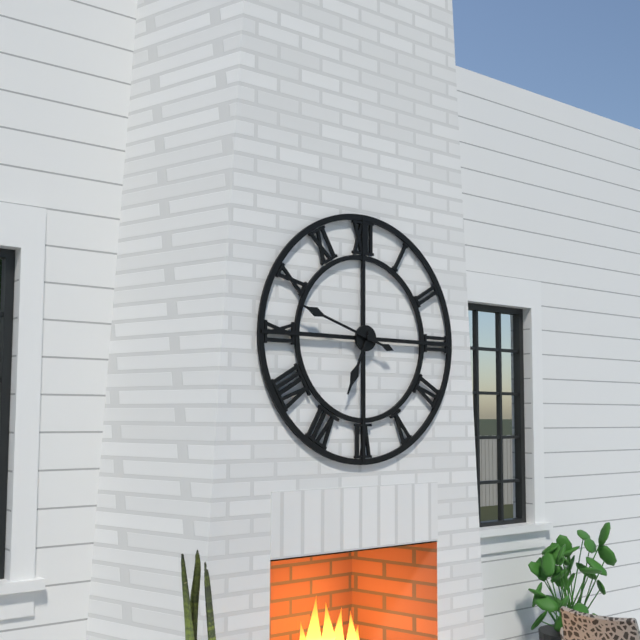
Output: **6:48**
